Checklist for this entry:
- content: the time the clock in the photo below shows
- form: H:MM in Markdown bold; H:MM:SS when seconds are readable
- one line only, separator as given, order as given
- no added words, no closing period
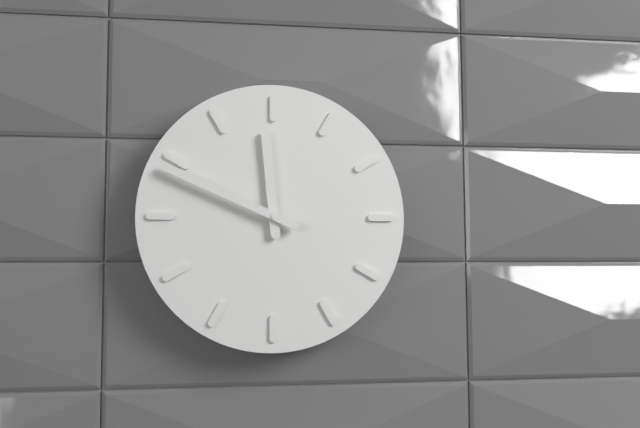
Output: **11:49**
